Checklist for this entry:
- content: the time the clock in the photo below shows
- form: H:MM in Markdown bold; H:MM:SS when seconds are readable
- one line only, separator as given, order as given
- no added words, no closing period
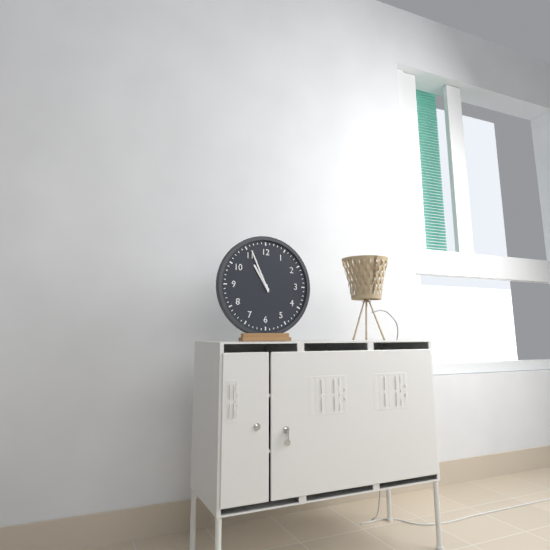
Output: **10:56**
